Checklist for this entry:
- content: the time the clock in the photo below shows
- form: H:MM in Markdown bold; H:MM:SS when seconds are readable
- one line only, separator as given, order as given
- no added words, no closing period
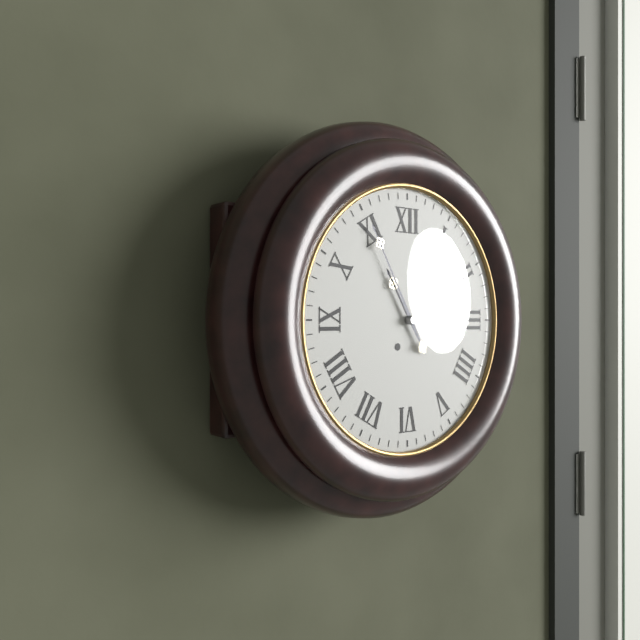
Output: **10:55**
